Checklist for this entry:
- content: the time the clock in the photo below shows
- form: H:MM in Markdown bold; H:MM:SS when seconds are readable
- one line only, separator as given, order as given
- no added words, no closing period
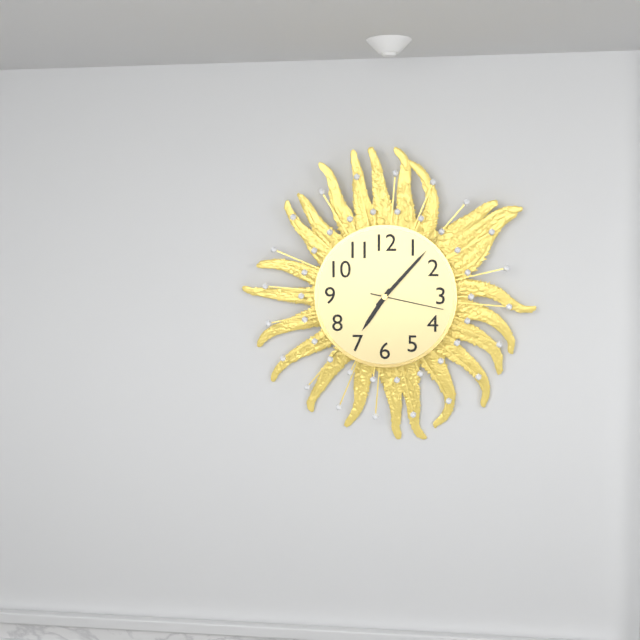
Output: **7:07:17**
